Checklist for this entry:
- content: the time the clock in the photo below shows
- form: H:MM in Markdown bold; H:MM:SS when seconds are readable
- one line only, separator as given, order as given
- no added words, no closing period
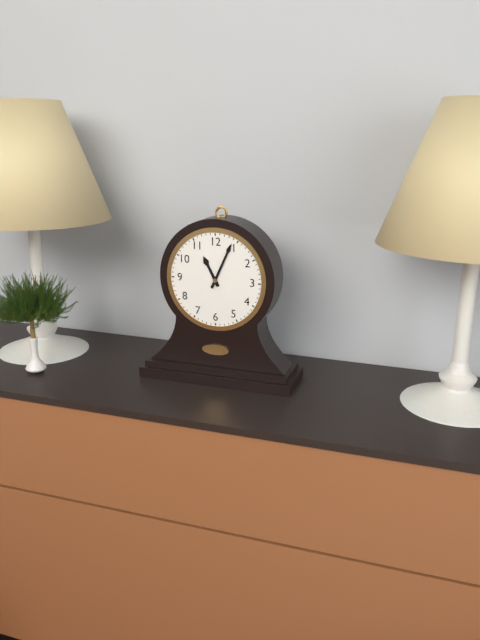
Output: **11:04**
